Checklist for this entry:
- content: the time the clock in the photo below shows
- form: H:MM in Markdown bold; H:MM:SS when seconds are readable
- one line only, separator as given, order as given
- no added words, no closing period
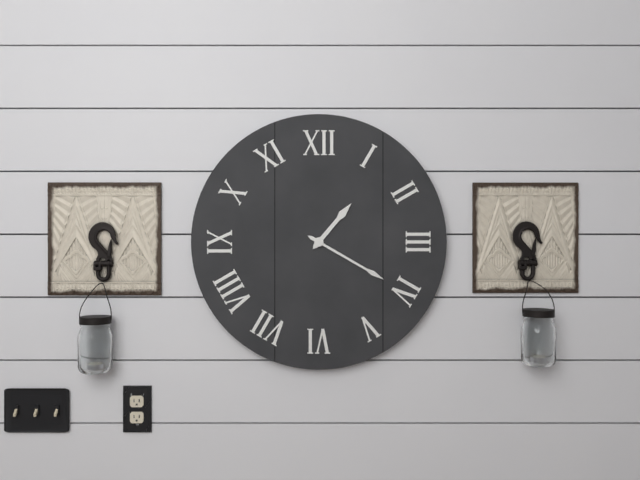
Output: **1:20**
